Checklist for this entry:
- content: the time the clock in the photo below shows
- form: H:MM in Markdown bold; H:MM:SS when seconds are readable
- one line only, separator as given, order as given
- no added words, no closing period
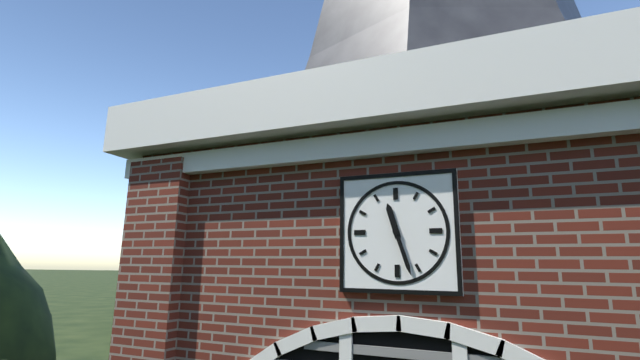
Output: **11:27**
